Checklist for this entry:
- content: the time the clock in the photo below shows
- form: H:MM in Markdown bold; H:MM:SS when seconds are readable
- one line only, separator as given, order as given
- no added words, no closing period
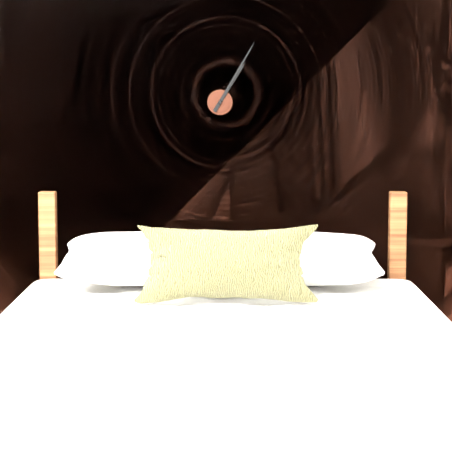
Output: **1:05**
